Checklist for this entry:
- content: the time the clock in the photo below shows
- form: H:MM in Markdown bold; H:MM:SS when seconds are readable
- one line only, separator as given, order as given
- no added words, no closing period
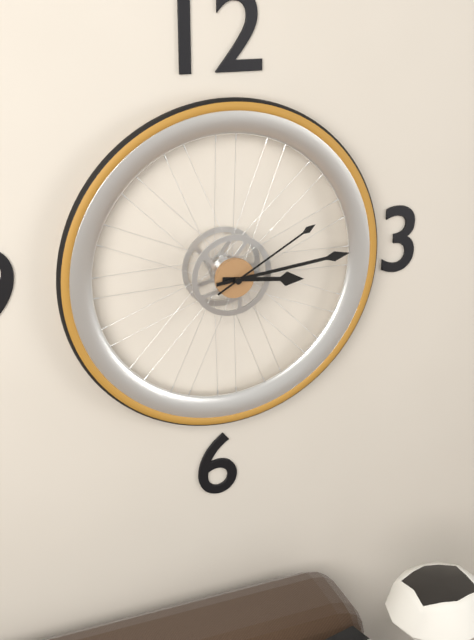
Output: **3:14:10**
